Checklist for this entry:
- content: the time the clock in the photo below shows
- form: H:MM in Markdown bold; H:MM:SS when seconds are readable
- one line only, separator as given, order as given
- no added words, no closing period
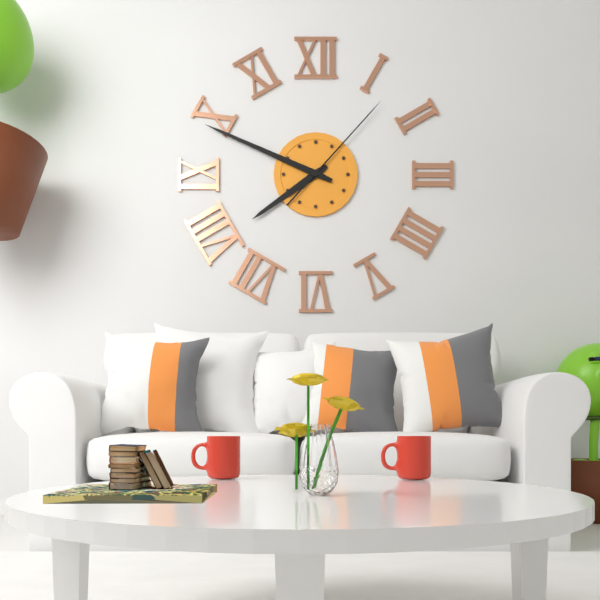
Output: **7:49:07**
